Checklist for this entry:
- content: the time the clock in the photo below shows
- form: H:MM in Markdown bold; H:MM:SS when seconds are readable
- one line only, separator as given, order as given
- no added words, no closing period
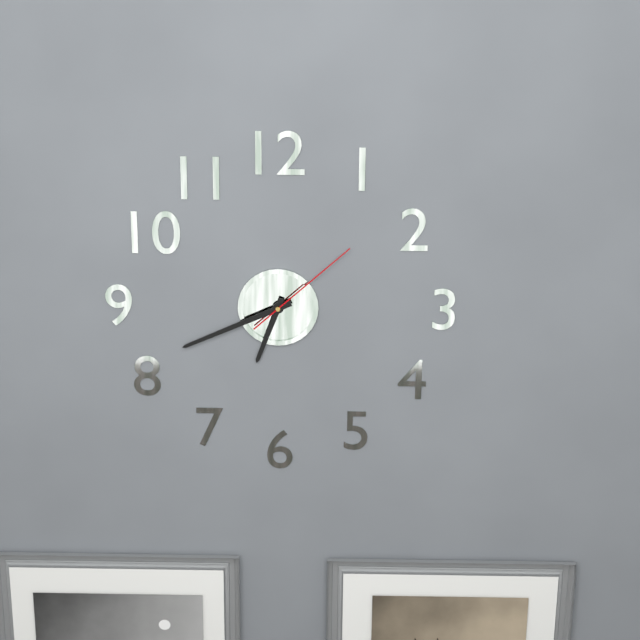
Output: **6:41:08**
